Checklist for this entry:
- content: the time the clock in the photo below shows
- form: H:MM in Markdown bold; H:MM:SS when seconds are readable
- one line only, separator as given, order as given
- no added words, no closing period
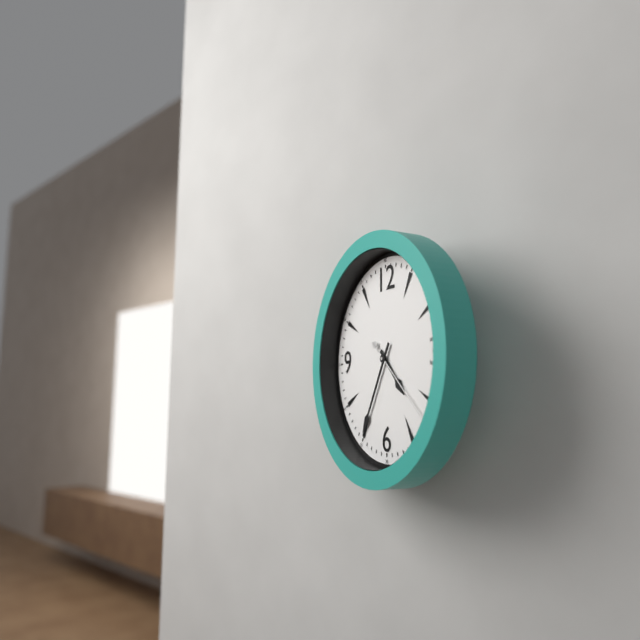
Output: **4:35:22**
